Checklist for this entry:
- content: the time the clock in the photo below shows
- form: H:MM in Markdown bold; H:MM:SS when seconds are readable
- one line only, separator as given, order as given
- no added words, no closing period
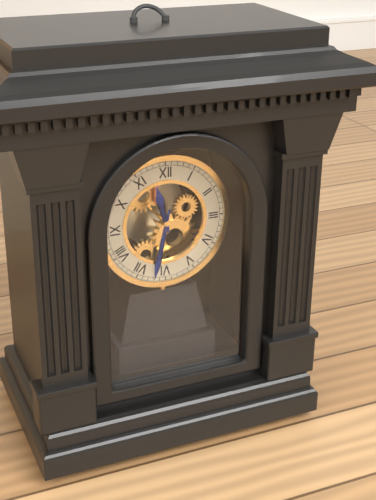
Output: **11:32**
